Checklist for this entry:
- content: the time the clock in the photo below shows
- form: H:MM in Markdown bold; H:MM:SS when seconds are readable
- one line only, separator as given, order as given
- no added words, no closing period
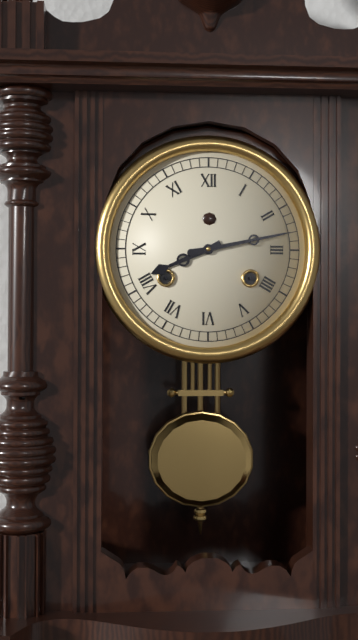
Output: **8:13**
